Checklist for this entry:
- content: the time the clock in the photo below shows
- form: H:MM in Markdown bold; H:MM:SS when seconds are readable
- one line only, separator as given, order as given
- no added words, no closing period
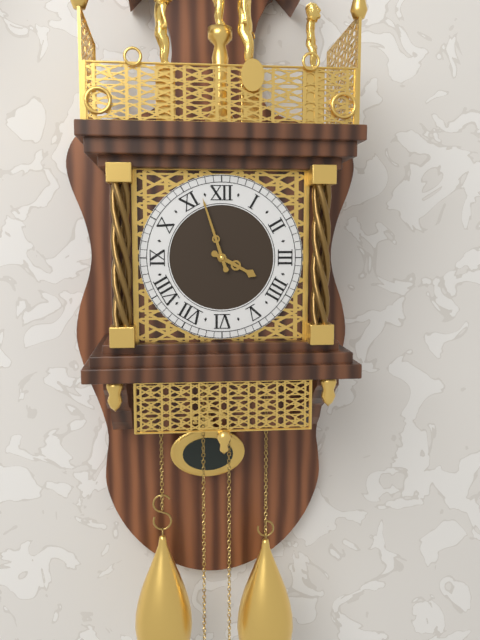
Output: **3:57**
